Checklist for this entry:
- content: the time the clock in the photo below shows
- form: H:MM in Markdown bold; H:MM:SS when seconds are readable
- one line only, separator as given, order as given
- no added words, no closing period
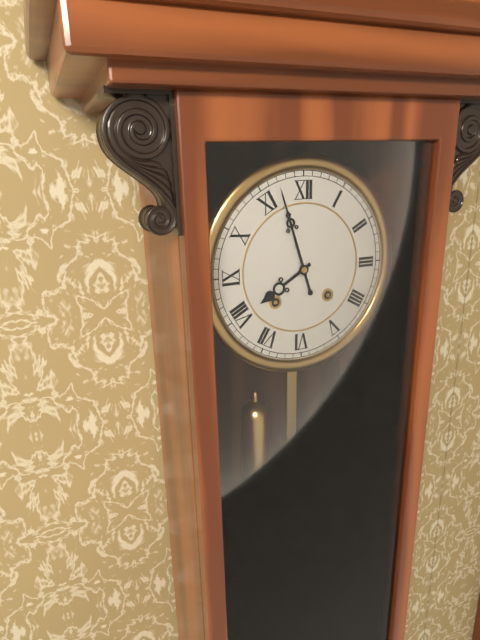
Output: **7:57**
